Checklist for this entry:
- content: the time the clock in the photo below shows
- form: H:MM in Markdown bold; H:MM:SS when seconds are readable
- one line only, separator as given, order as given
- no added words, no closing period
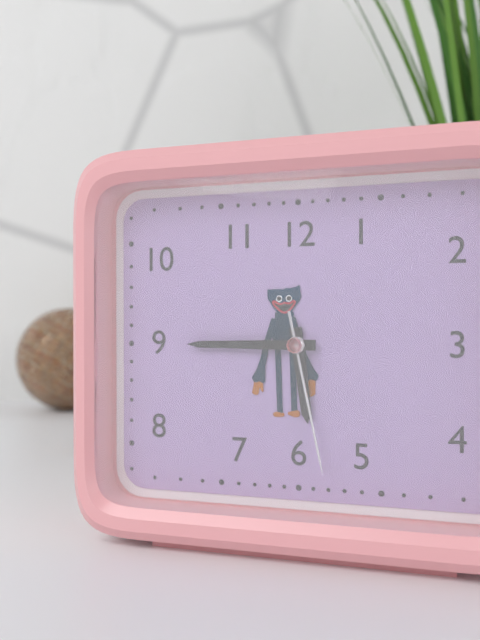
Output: **5:45:28**
